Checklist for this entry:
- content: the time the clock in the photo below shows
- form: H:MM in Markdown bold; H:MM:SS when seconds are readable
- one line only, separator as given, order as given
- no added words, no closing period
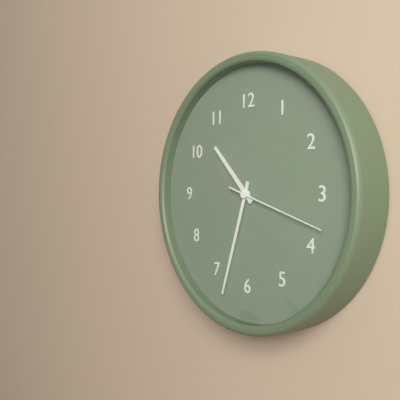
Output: **10:33:18**
